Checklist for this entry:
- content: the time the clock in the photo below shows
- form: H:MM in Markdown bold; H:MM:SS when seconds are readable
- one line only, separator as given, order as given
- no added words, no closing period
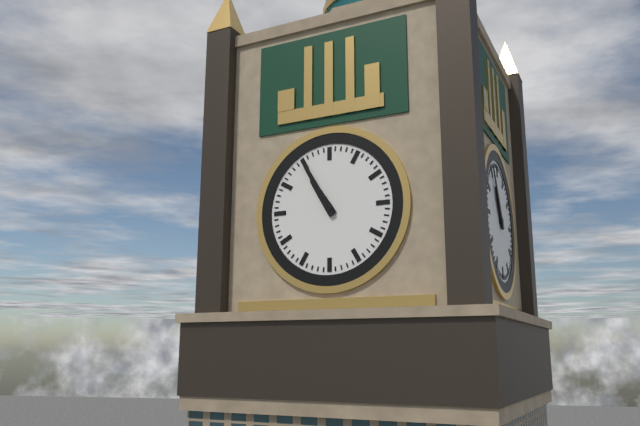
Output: **10:55**
